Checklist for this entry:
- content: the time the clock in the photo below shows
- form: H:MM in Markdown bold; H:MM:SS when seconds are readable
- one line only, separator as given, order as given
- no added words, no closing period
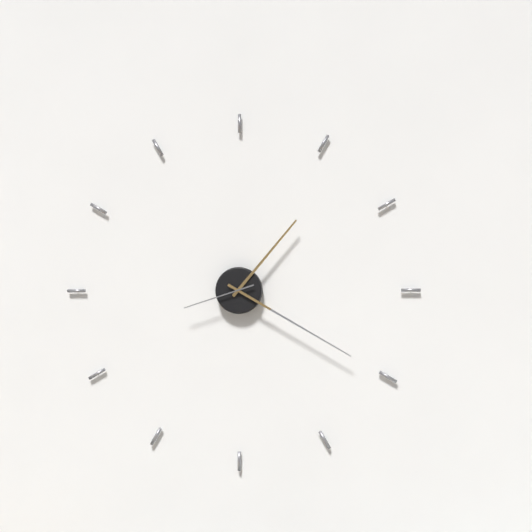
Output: **1:20:42**
